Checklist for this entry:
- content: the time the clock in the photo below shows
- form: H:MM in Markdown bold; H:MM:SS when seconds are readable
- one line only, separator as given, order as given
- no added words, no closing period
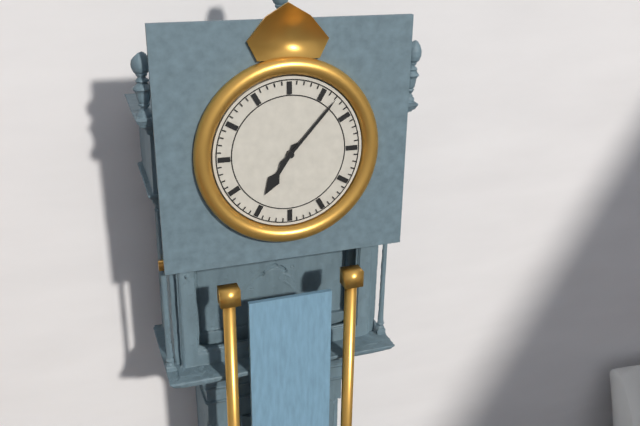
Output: **7:07**
